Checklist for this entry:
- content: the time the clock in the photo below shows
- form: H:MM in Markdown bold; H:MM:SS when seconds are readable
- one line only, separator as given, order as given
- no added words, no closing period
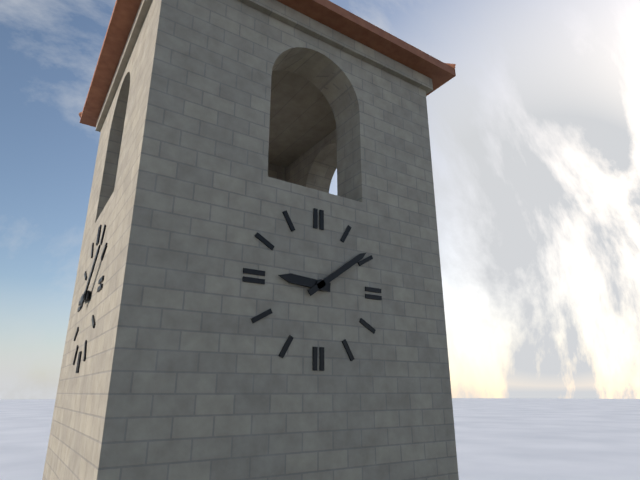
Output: **9:09**
